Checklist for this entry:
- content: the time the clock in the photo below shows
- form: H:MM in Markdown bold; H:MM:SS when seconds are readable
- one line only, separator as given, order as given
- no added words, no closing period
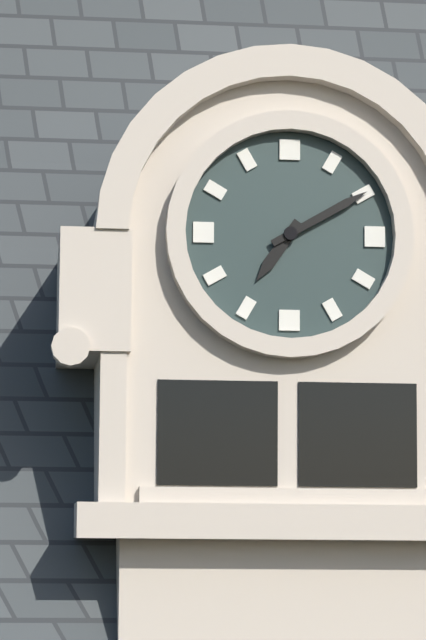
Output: **7:10**
